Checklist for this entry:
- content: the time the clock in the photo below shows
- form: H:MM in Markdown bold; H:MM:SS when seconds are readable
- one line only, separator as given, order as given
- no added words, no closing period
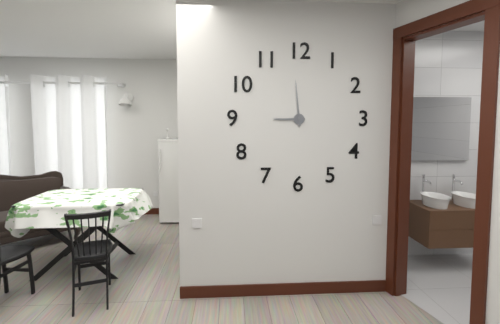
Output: **8:59**
